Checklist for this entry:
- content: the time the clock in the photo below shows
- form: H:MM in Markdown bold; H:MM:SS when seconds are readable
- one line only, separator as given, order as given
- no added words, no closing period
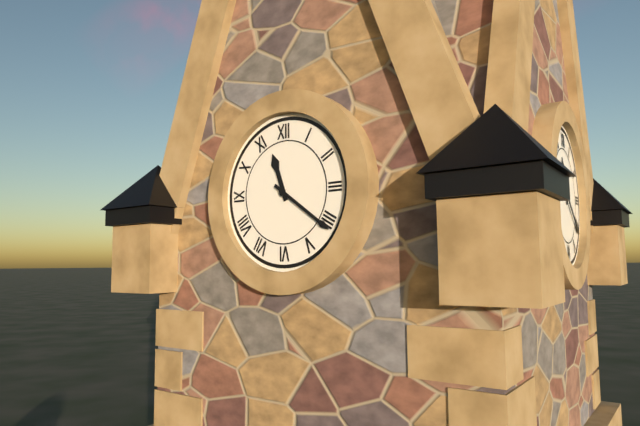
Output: **11:21**
